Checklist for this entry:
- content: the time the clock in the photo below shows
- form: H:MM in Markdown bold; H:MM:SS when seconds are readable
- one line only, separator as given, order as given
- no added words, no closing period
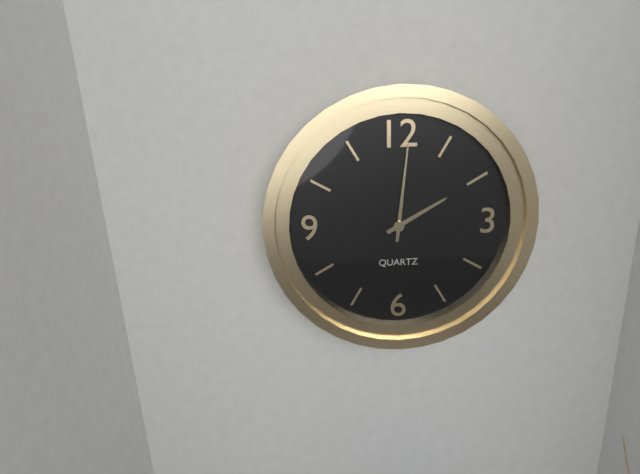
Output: **2:01**
